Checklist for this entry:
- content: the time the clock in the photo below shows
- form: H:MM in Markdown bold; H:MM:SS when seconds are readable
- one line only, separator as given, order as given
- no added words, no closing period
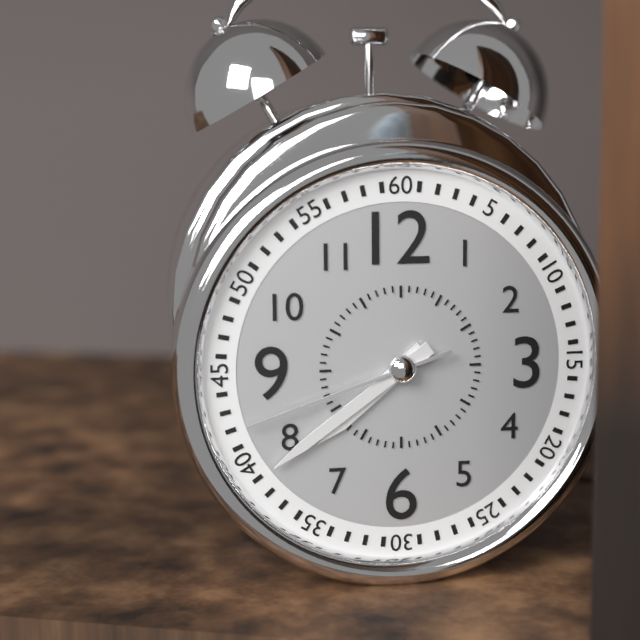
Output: **7:39:42**
